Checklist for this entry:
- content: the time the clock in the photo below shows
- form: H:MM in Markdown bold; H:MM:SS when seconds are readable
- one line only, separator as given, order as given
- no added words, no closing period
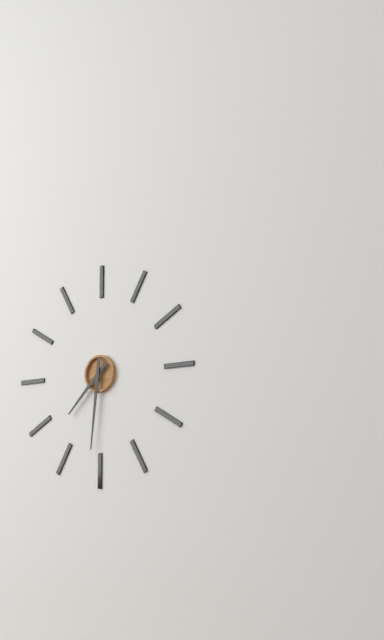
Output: **7:31**
